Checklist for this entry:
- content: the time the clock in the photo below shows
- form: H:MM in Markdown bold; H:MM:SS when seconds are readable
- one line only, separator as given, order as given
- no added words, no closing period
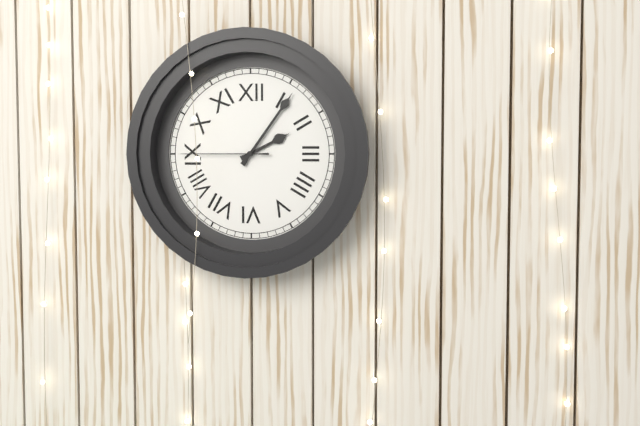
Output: **2:06:45**
